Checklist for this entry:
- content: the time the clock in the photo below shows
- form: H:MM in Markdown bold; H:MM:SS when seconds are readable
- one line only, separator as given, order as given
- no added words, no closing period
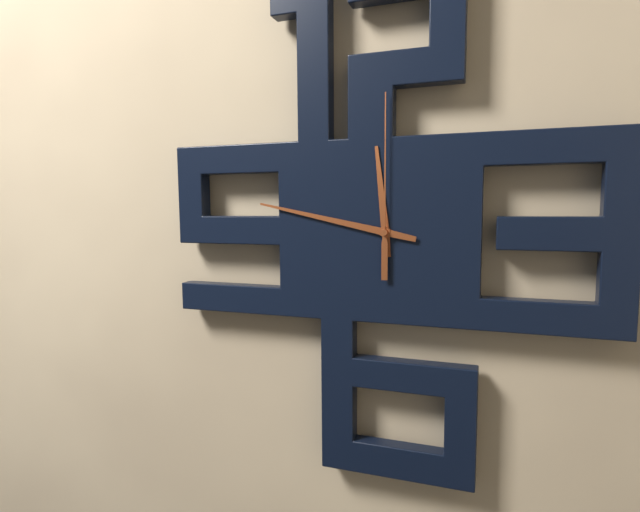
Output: **11:47:00**
